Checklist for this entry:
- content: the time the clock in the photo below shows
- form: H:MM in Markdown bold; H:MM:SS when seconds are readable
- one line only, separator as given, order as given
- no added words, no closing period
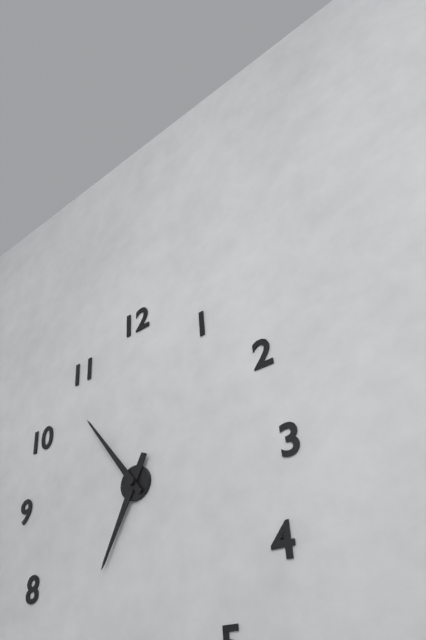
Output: **6:54**
